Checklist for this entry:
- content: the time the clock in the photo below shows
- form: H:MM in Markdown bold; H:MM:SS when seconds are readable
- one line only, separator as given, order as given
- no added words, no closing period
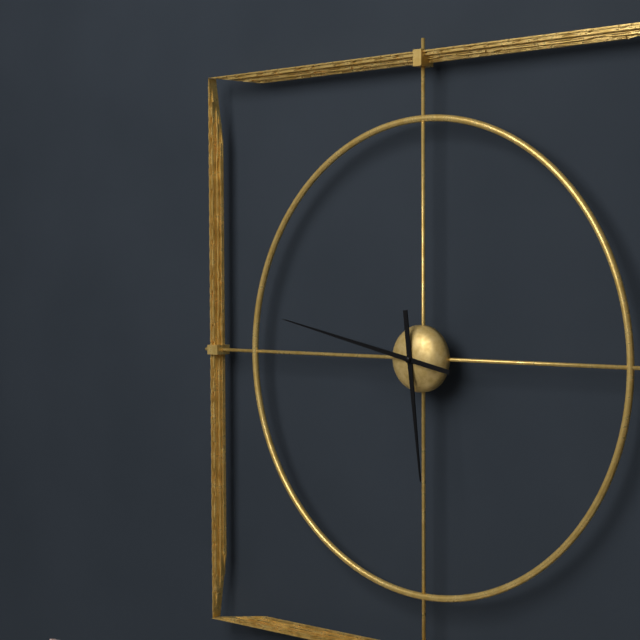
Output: **5:47**
